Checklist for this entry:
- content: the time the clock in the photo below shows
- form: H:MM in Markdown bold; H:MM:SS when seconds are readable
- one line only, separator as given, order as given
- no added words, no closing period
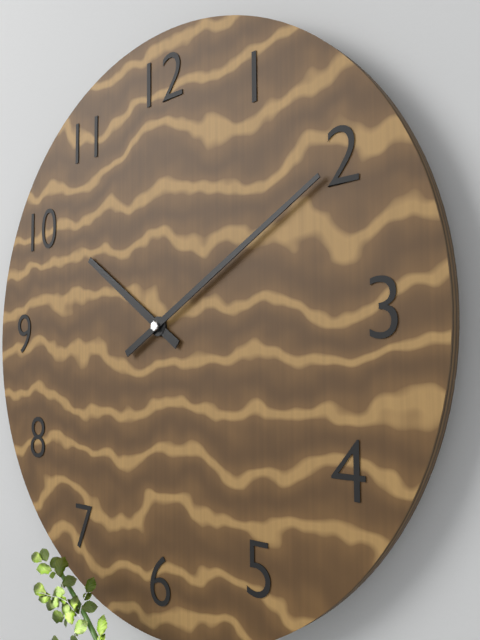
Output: **10:10**
